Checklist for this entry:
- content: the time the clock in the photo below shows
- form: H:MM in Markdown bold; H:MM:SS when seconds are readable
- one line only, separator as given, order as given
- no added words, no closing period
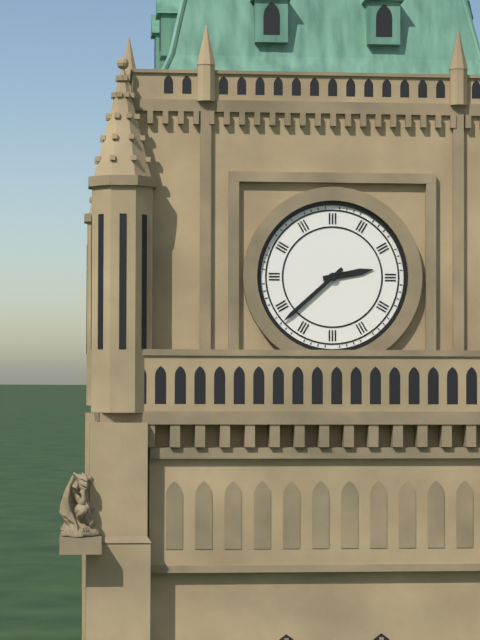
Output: **2:38**
